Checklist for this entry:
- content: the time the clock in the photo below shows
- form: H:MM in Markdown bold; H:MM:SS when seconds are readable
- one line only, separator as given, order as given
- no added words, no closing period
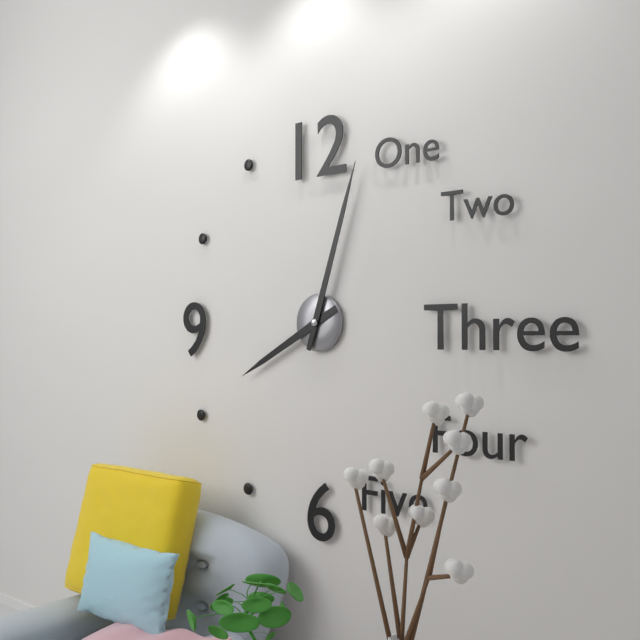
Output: **8:03**
